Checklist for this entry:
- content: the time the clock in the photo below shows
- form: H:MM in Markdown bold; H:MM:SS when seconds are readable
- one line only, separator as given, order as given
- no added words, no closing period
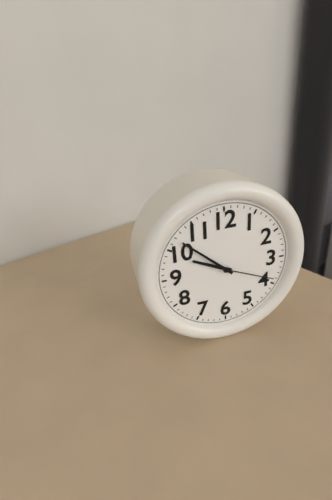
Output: **9:52:19**
